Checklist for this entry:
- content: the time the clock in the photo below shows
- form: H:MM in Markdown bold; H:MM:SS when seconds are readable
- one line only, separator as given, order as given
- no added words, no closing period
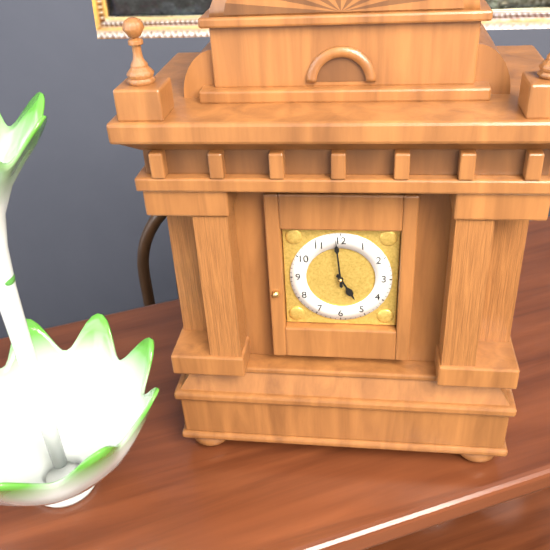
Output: **4:59**
